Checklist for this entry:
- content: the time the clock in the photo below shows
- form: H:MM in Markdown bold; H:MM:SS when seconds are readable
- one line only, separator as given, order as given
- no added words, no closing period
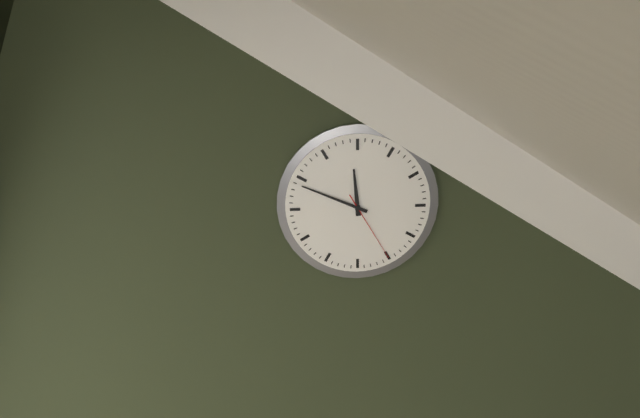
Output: **11:49:25**
